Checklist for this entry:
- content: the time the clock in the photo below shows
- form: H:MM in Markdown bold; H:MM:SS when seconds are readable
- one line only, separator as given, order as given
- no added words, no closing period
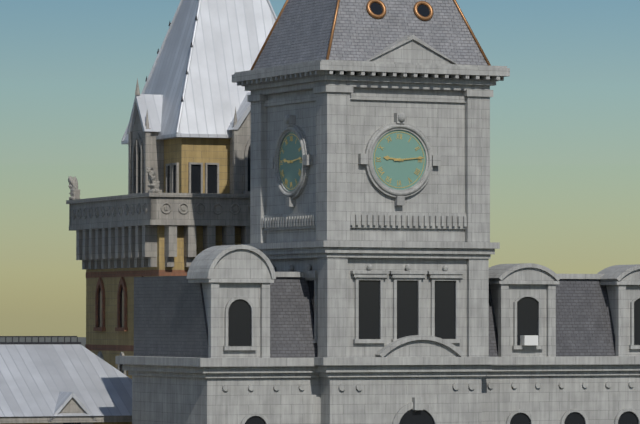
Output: **9:14**
